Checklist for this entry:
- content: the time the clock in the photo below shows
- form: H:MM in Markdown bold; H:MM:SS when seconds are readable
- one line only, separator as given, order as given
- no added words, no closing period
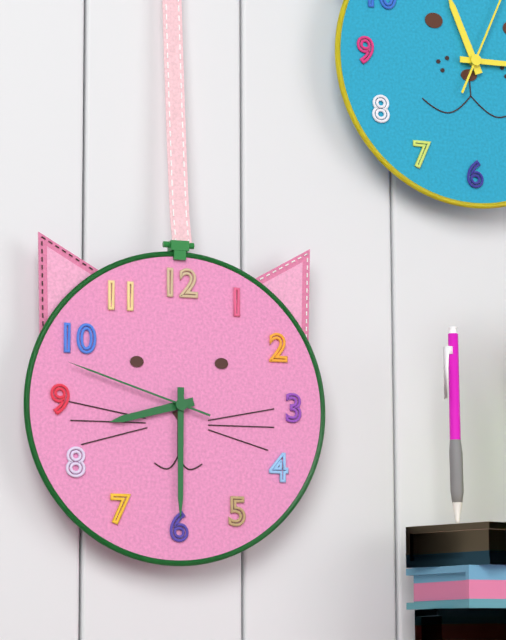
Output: **8:30:48**
